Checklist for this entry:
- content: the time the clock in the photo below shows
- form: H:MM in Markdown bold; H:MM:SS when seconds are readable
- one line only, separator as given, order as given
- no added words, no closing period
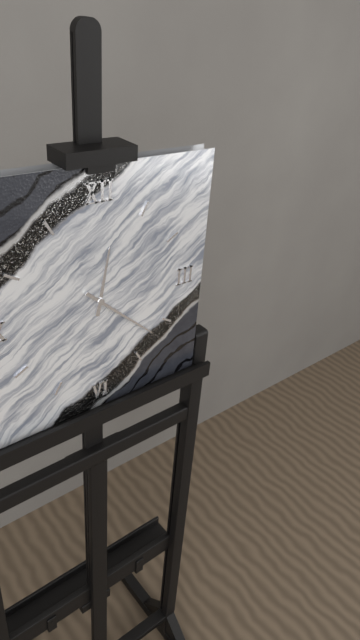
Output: **12:22**
